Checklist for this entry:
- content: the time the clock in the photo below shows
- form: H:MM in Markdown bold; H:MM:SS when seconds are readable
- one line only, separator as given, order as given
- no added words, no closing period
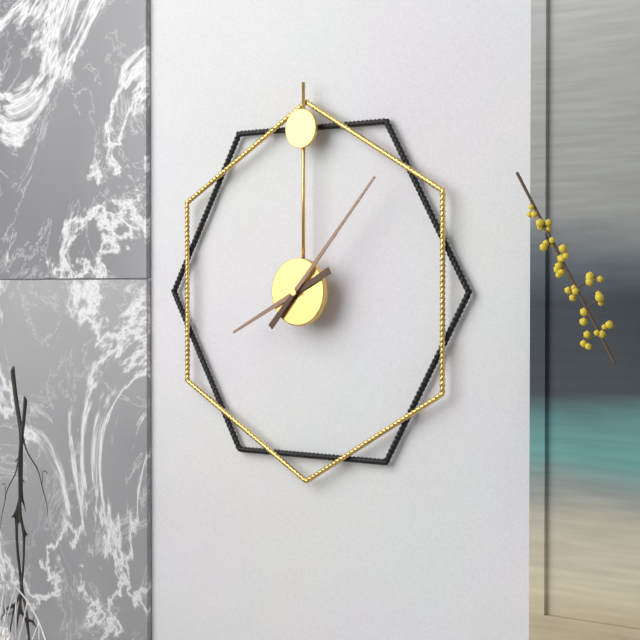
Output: **8:07**
